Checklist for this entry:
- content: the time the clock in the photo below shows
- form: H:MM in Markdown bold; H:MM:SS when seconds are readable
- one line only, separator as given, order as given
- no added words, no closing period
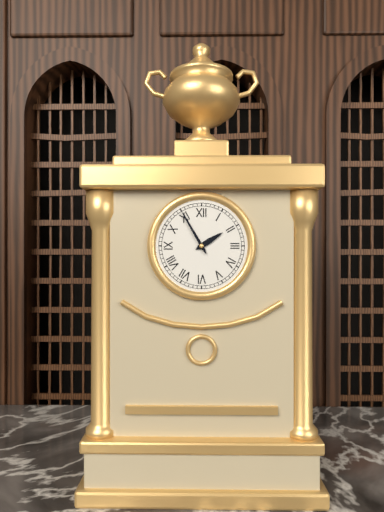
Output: **1:55**
